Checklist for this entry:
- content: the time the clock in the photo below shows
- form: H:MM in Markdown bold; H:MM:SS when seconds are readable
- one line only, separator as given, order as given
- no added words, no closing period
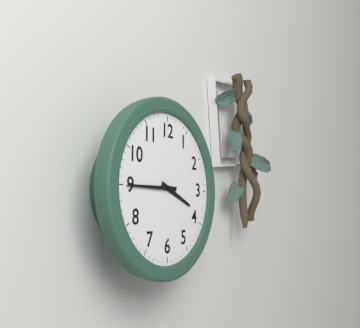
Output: **3:45**
